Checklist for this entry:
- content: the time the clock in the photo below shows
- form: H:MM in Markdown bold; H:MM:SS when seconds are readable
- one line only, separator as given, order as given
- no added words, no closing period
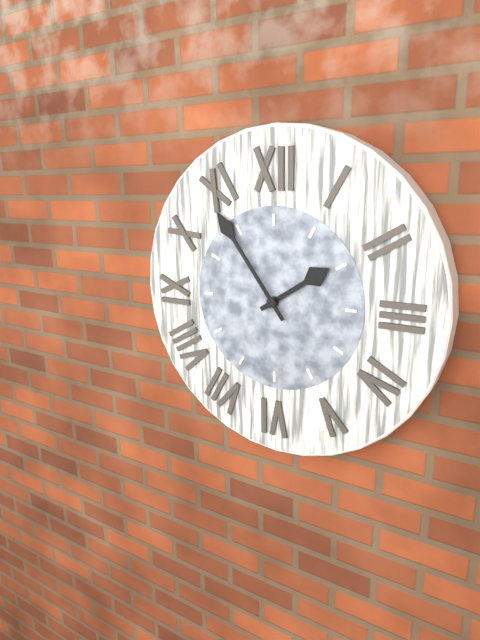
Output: **1:54**
